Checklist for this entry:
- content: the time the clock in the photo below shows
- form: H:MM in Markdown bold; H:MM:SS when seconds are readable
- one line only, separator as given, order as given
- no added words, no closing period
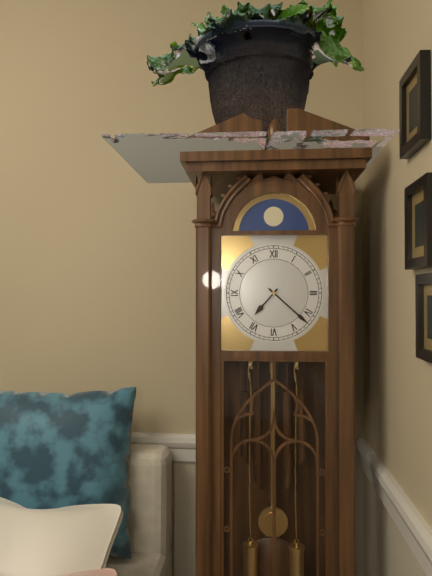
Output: **7:22**
